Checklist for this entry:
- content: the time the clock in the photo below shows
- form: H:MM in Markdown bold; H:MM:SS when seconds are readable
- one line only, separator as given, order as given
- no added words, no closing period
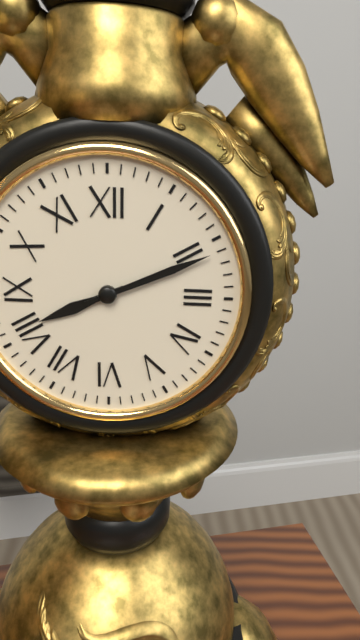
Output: **8:11**
